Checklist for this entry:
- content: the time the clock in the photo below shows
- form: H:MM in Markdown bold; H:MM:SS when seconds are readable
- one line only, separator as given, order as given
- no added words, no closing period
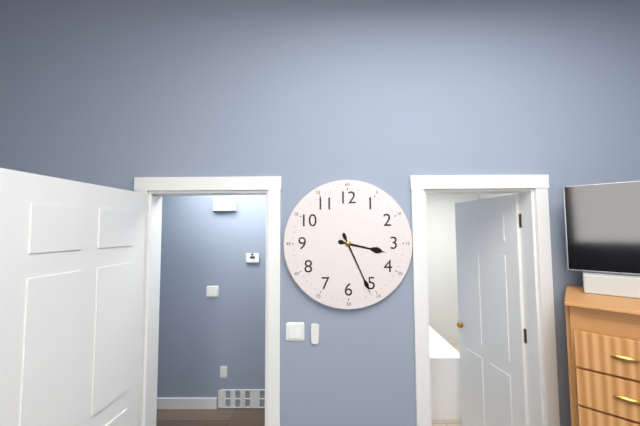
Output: **3:26**
